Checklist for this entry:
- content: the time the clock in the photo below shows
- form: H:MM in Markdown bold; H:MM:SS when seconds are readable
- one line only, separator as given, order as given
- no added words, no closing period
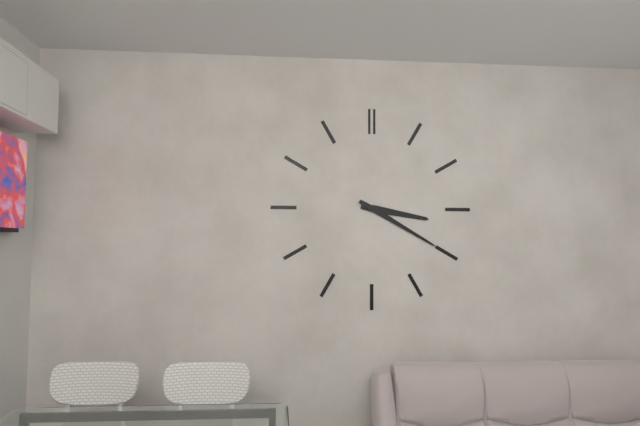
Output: **3:20**
